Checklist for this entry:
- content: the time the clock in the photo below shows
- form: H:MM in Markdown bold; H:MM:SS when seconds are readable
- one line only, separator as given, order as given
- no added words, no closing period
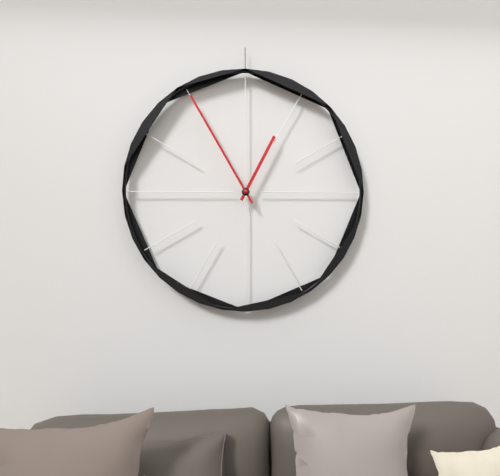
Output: **12:55**
